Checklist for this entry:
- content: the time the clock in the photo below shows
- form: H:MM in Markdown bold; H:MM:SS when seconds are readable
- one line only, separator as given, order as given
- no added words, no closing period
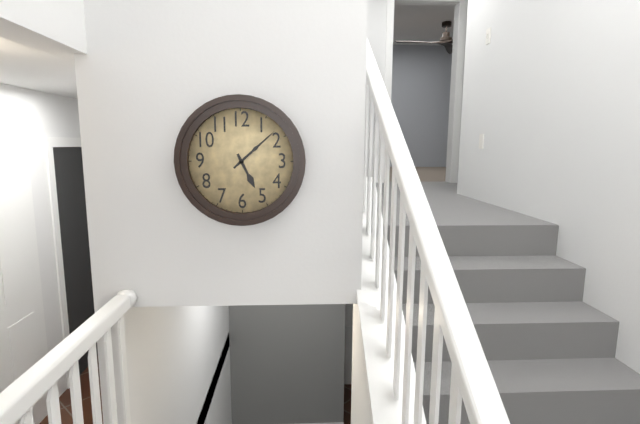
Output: **5:08**
